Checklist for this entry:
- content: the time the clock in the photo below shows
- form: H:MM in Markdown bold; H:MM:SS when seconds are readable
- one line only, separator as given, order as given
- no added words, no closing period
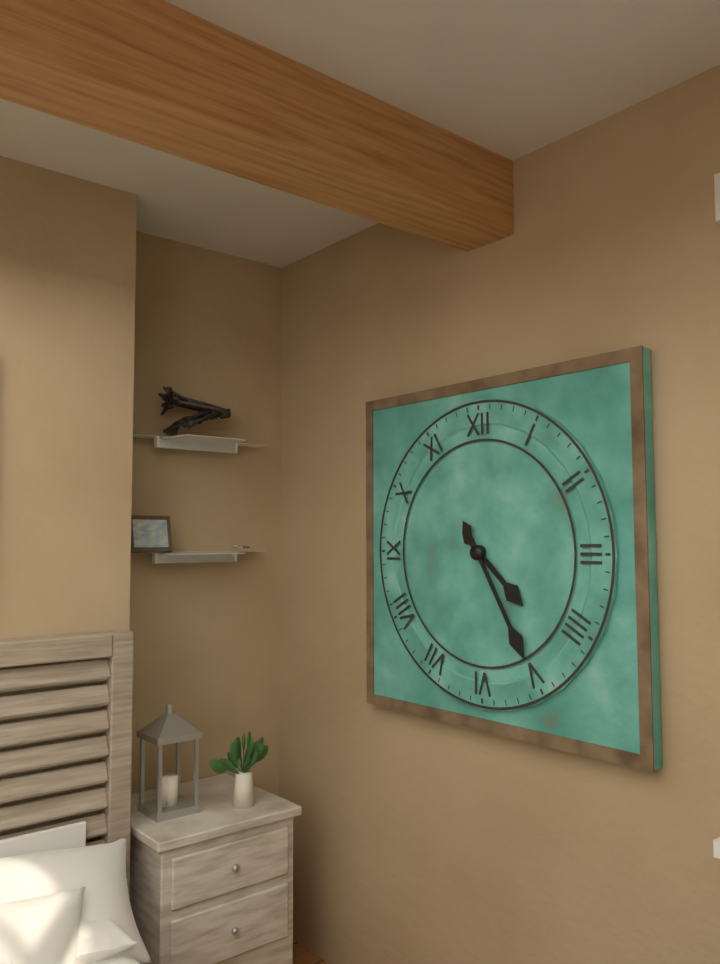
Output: **4:25**
